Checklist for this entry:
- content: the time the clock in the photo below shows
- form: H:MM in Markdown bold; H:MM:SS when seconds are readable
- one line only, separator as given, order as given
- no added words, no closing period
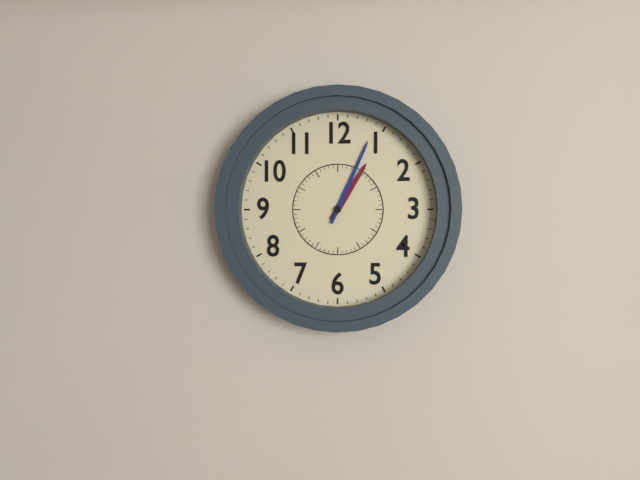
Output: **1:04**
